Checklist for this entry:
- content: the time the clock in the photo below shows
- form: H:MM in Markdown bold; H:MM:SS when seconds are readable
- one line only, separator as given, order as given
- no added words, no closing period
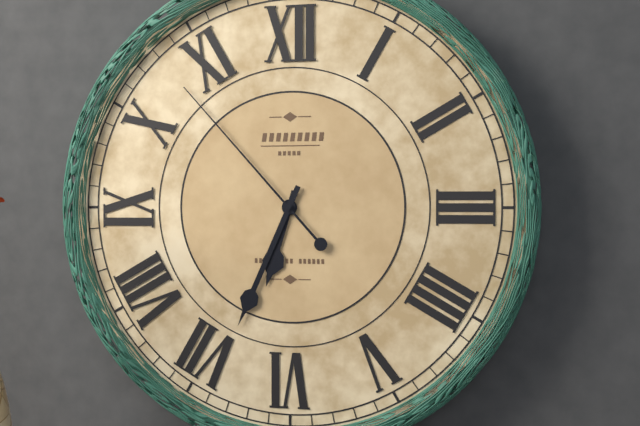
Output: **6:34:53**
